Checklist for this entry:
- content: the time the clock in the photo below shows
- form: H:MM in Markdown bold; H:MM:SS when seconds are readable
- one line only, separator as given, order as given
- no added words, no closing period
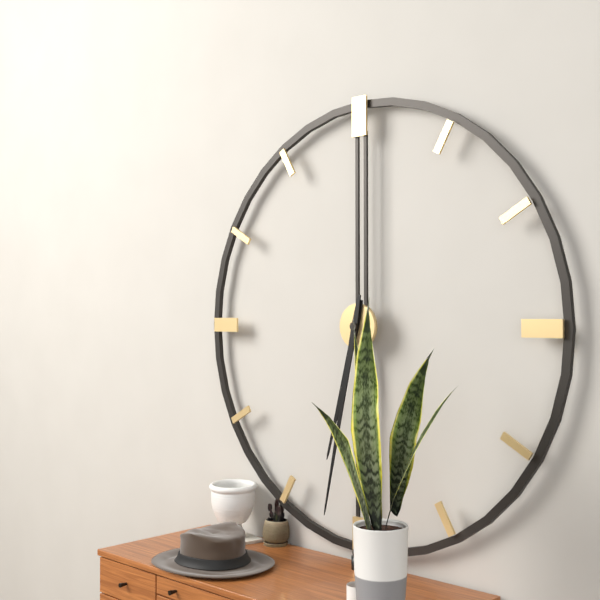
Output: **6:32**
